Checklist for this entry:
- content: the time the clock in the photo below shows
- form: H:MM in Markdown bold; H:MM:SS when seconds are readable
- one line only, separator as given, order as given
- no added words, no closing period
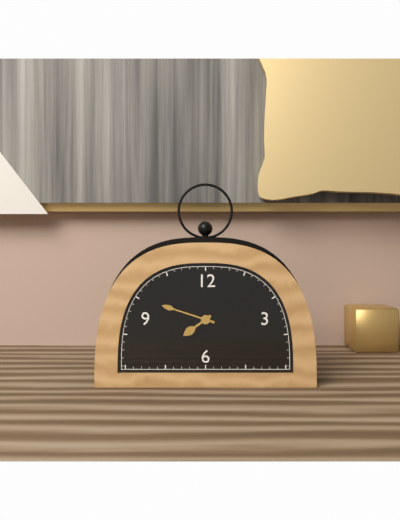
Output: **7:48**
